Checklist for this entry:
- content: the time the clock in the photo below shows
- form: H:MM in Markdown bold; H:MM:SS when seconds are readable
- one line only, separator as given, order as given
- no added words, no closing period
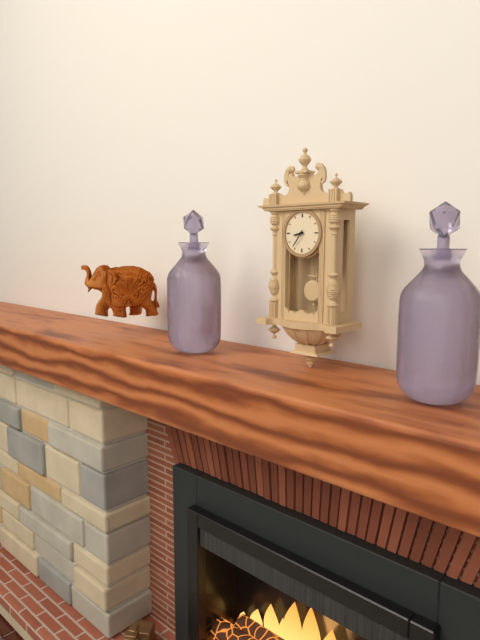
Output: **8:36**
